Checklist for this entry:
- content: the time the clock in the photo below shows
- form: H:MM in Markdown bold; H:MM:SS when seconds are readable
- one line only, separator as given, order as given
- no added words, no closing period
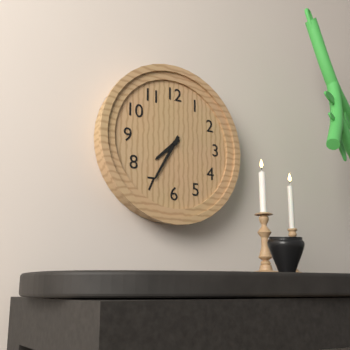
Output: **7:35**
